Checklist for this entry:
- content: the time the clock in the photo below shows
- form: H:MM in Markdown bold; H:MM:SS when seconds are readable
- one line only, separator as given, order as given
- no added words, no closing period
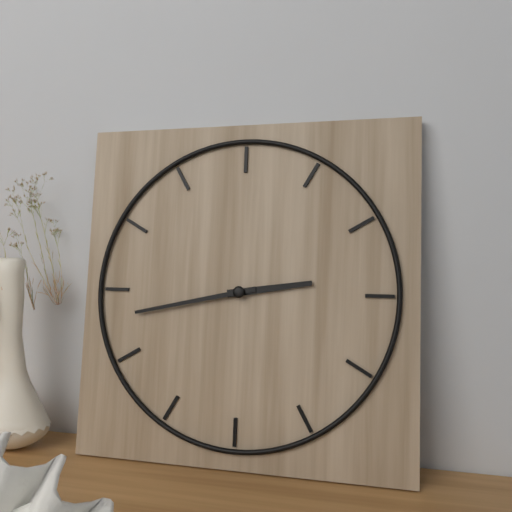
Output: **2:43**
